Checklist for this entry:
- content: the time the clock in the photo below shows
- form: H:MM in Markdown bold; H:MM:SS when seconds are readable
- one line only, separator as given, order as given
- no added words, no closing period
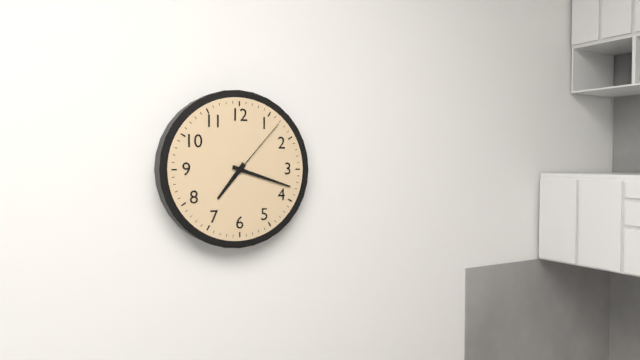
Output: **7:18:07**
